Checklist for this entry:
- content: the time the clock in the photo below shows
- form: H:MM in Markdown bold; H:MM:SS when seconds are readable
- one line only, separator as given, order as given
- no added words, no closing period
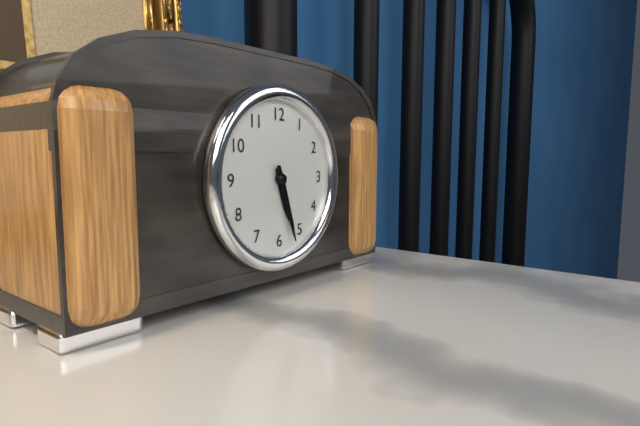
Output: **5:27**
